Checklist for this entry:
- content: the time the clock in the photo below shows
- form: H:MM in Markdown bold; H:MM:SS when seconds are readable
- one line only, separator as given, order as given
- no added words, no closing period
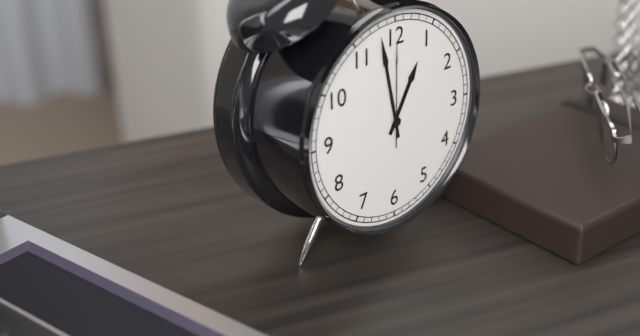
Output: **12:58:00**
